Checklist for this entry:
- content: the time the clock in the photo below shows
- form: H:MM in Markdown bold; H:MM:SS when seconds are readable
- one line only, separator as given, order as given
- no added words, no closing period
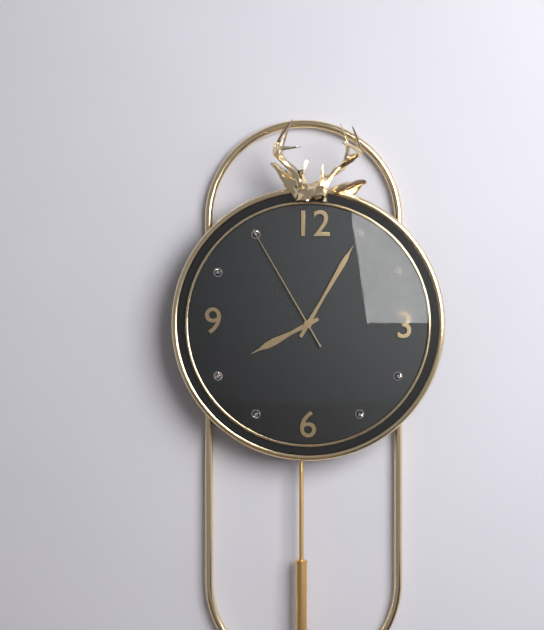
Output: **8:05:55**
